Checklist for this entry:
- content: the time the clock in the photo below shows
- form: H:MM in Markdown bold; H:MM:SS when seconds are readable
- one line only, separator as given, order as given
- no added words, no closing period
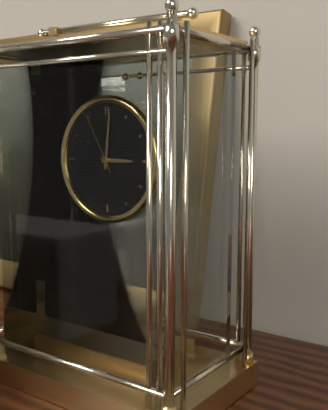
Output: **3:01:55**
